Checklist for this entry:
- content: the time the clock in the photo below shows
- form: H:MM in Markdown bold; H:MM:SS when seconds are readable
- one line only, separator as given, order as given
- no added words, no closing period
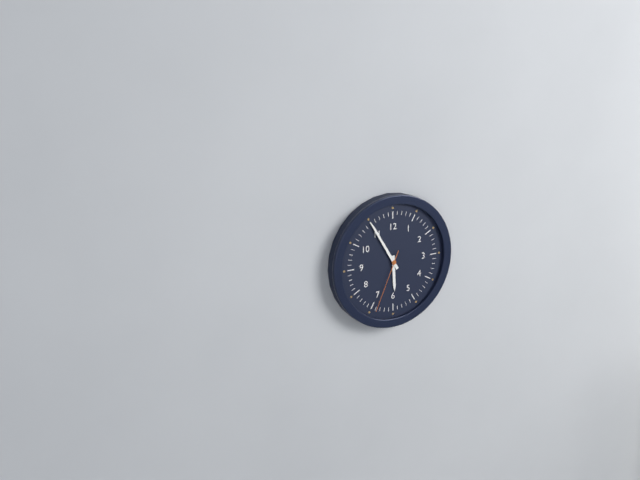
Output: **5:55:34**
